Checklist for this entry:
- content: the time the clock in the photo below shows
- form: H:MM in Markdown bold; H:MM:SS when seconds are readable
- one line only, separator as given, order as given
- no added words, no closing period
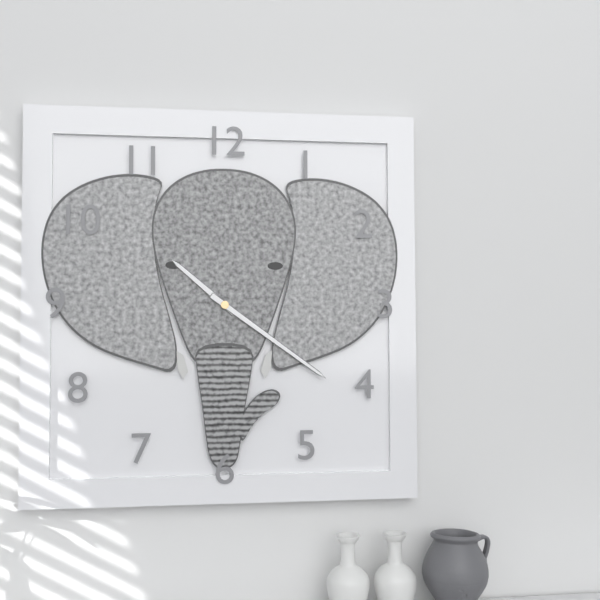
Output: **10:21**
